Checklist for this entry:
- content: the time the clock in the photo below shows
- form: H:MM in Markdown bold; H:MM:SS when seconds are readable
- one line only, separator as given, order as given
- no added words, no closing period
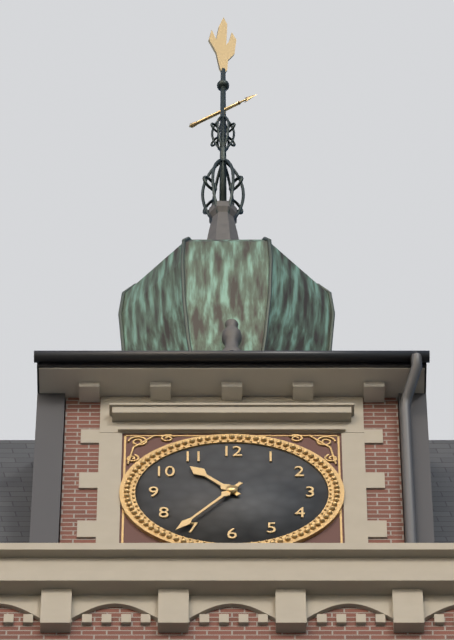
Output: **10:36**
